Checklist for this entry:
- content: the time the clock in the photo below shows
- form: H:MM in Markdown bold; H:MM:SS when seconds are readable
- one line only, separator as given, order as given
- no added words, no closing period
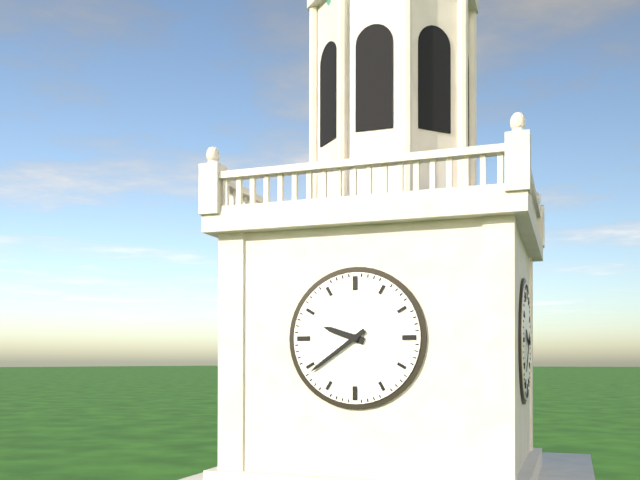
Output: **9:39**
